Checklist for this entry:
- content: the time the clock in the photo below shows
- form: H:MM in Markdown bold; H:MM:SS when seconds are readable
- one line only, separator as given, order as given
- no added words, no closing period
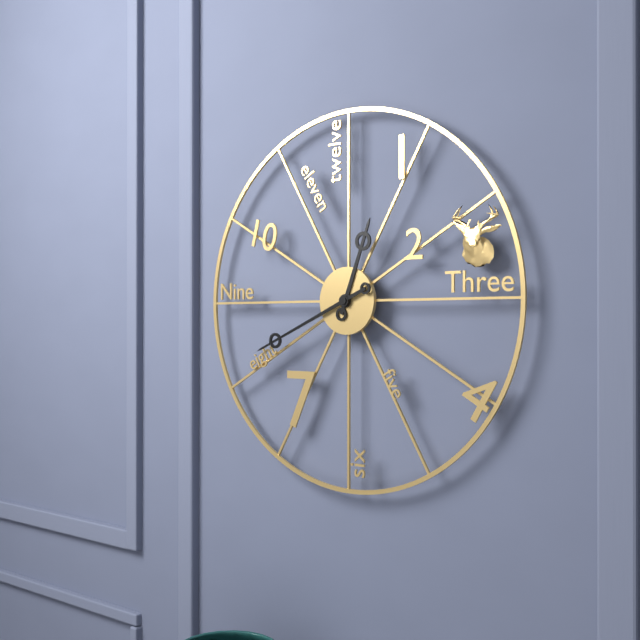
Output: **12:41**
